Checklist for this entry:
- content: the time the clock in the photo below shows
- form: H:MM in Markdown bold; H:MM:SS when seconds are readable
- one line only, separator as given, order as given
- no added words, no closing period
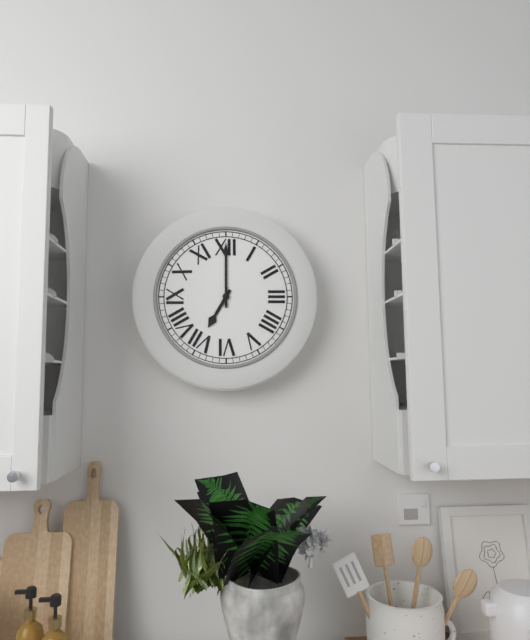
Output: **7:00**
